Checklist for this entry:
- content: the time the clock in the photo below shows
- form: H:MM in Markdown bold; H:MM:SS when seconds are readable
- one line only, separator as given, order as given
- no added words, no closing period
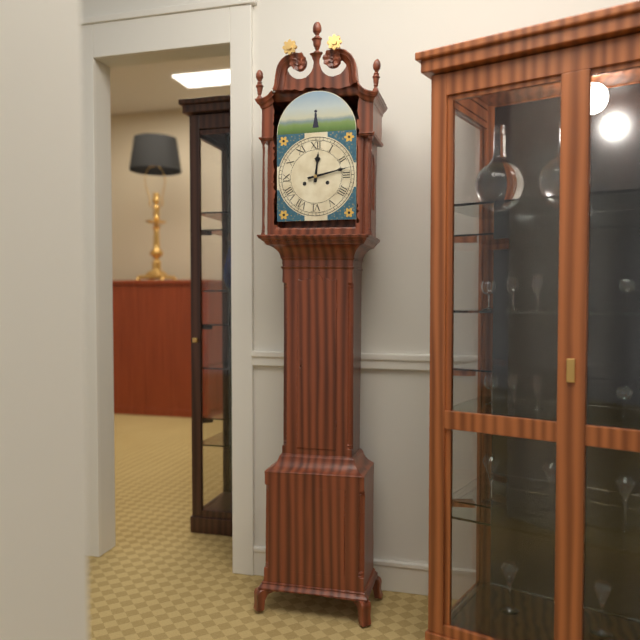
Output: **12:13**
